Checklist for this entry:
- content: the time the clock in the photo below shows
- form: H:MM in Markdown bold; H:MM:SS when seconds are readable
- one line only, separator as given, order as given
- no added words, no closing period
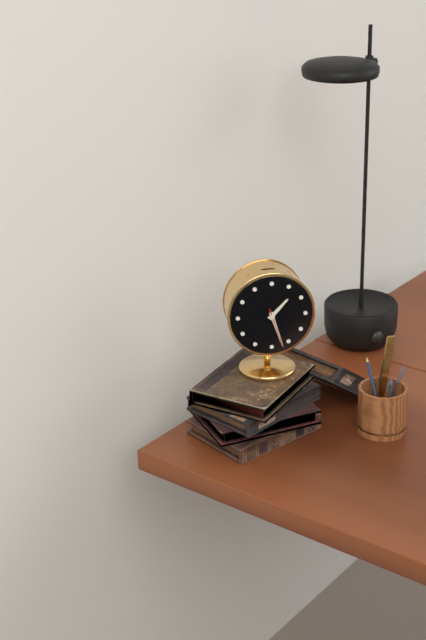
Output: **1:27**
